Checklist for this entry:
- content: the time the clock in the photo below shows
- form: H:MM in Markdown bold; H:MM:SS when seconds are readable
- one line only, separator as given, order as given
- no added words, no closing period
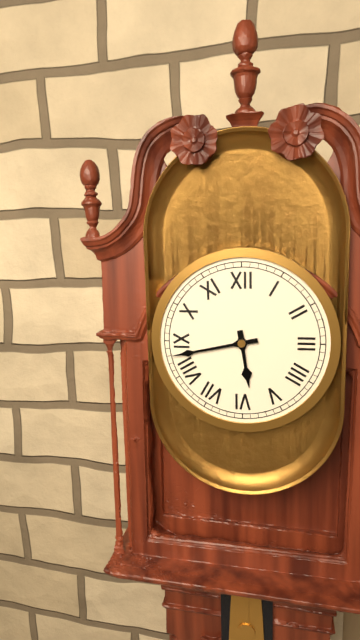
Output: **5:43**
